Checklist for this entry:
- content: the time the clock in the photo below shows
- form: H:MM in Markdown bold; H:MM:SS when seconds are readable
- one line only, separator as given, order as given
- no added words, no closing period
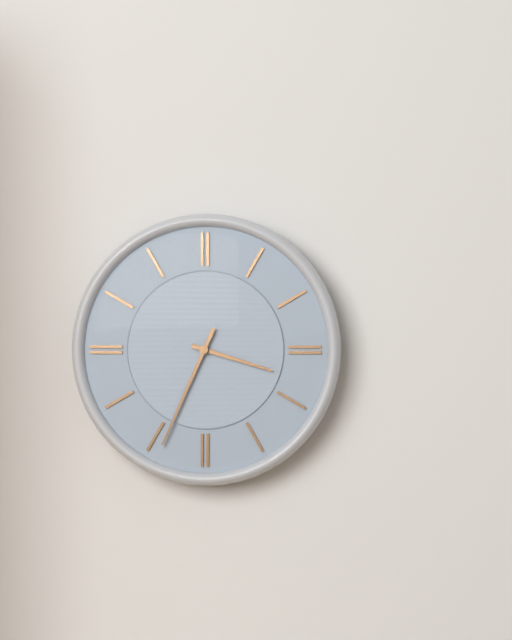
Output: **3:34**
